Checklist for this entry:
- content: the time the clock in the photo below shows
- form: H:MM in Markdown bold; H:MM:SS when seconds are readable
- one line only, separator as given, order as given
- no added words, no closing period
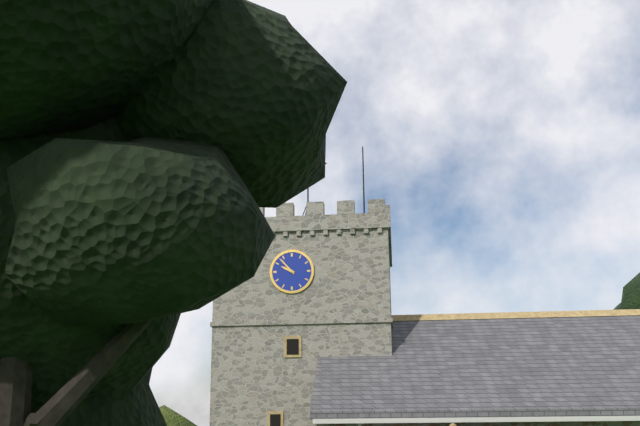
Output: **9:53**
